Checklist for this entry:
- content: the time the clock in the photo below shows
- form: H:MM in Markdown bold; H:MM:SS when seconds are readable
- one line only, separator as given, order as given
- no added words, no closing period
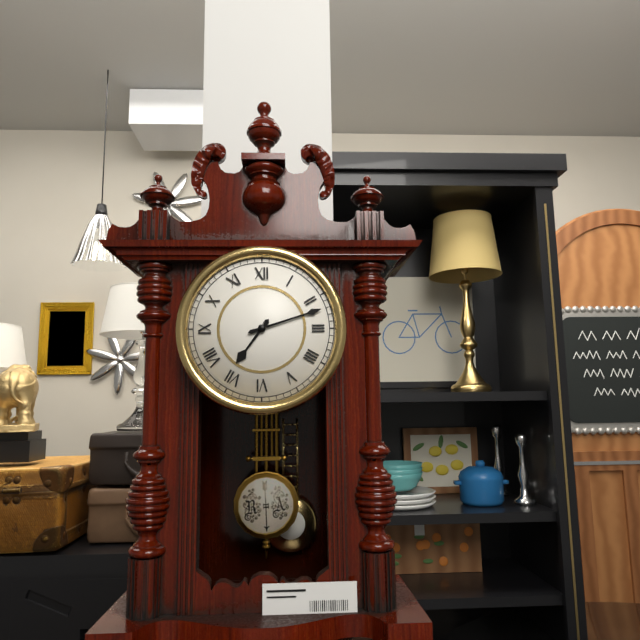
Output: **7:12**
